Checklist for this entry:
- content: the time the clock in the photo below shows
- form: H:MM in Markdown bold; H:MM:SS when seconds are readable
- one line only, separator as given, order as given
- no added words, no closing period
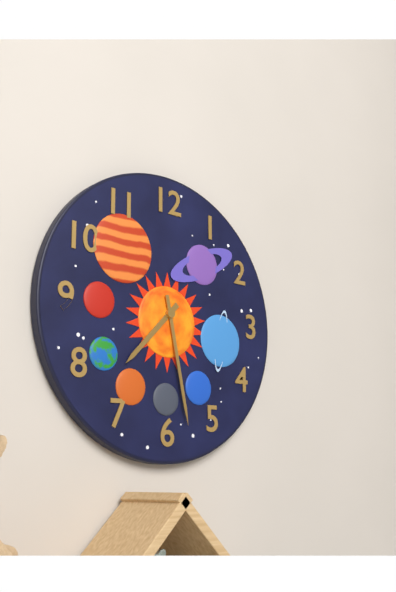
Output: **7:28**
